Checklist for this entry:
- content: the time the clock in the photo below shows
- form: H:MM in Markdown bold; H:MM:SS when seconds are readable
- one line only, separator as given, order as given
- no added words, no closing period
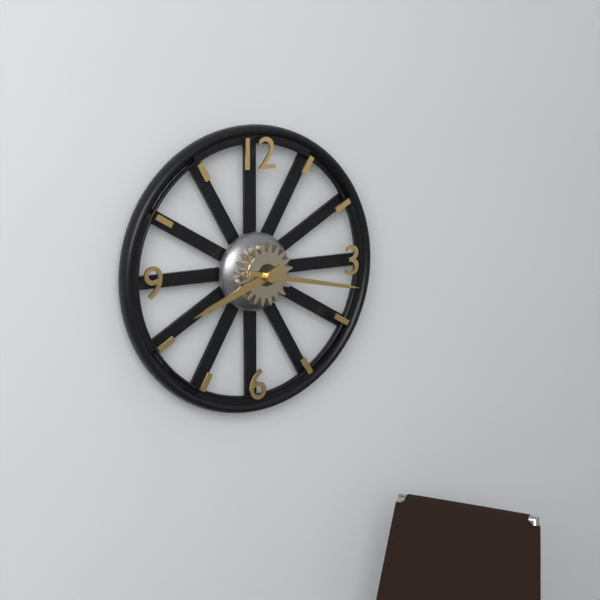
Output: **8:17**
